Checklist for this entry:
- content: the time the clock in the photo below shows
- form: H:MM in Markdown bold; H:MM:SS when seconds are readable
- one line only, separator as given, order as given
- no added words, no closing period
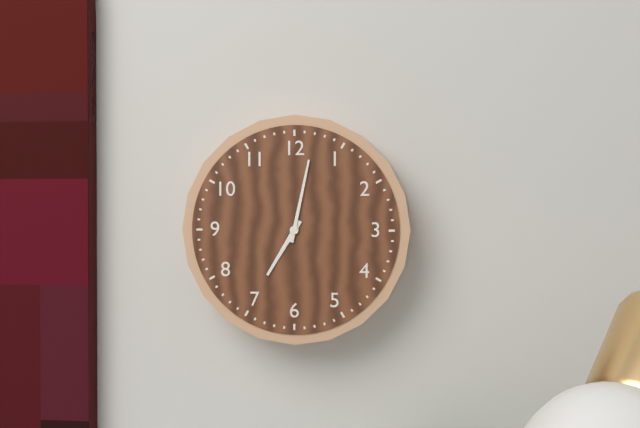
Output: **7:02**
